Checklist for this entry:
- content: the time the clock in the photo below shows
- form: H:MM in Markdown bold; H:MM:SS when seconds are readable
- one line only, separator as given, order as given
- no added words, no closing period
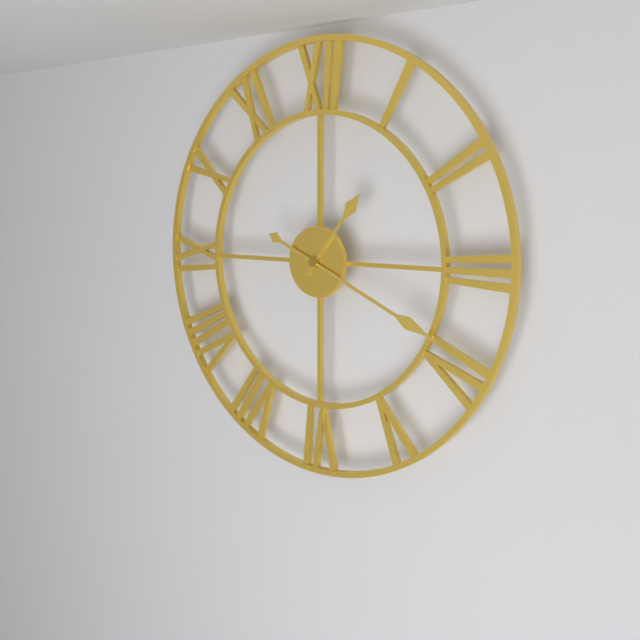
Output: **1:19**
